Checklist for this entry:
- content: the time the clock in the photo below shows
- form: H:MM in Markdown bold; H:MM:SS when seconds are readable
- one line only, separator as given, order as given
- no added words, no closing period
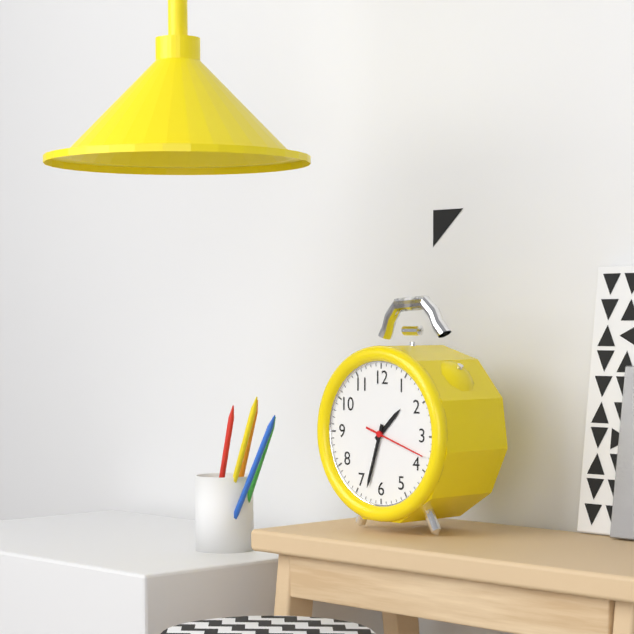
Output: **1:33:18**
